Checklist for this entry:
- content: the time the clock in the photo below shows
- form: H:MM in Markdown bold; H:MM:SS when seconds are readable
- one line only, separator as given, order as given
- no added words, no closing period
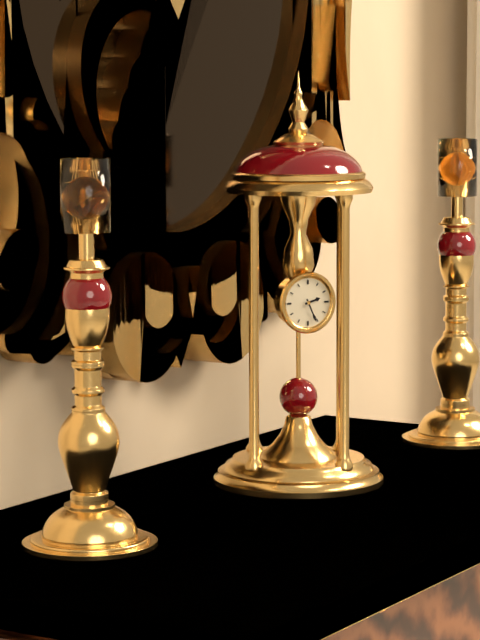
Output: **2:26**
